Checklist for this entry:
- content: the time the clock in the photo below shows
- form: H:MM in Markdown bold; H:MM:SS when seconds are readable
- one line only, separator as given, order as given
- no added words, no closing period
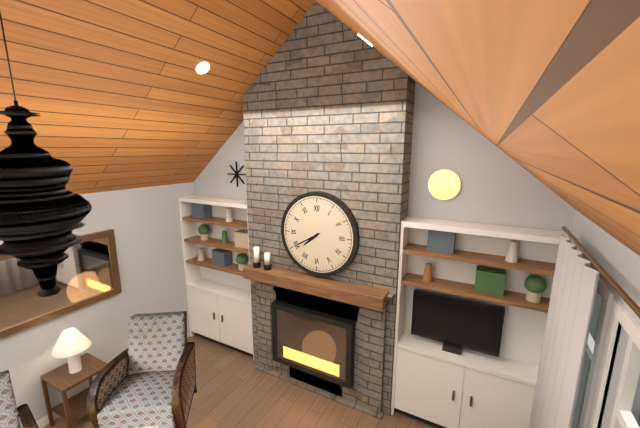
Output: **7:40**
